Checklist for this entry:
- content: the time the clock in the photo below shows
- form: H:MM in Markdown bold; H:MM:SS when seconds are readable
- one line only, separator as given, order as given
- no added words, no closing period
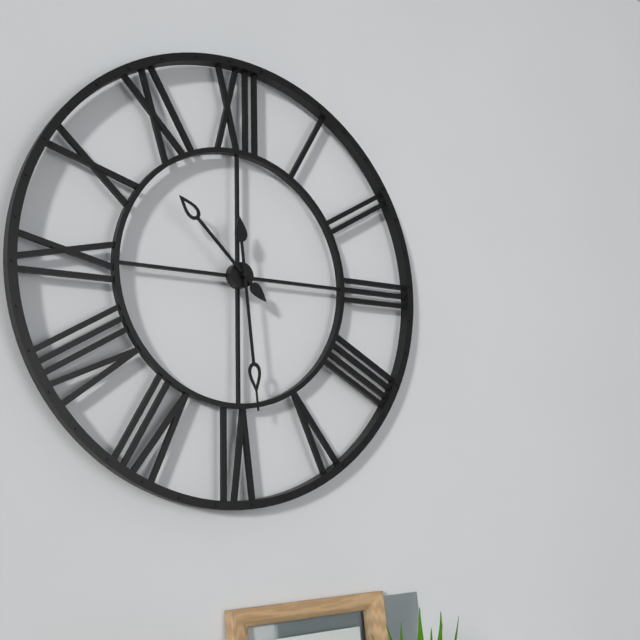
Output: **10:29**
